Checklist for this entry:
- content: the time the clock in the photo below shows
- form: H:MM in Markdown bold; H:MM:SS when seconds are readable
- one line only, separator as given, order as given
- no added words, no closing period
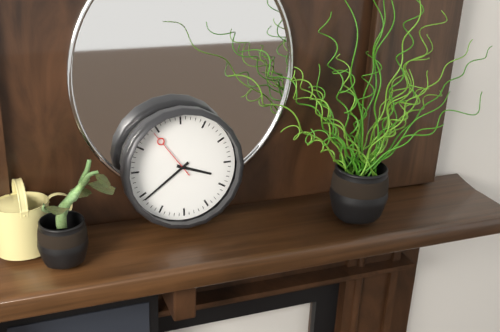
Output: **3:39:54**
